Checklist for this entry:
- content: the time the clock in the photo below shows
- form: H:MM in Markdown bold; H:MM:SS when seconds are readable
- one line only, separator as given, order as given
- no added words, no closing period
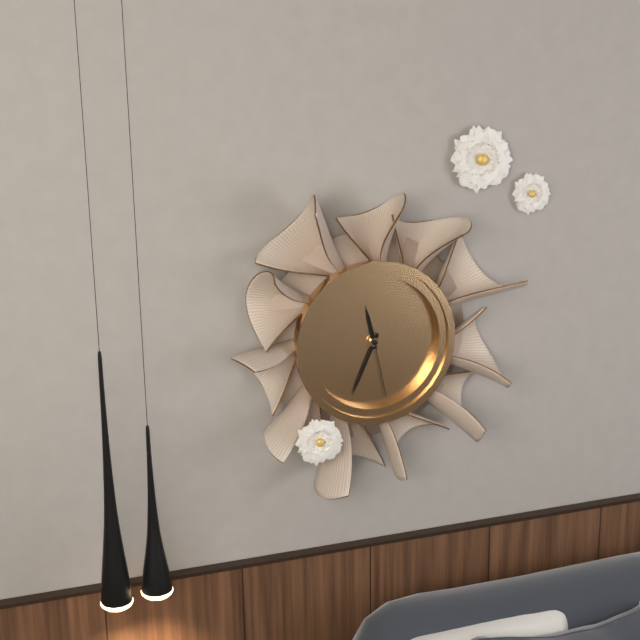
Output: **11:34:28**
